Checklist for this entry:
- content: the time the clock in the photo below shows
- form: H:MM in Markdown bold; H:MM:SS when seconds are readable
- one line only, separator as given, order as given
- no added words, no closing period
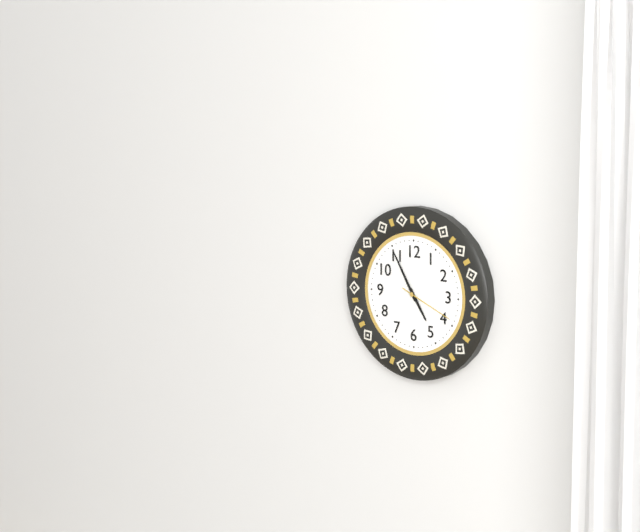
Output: **4:55:19**
